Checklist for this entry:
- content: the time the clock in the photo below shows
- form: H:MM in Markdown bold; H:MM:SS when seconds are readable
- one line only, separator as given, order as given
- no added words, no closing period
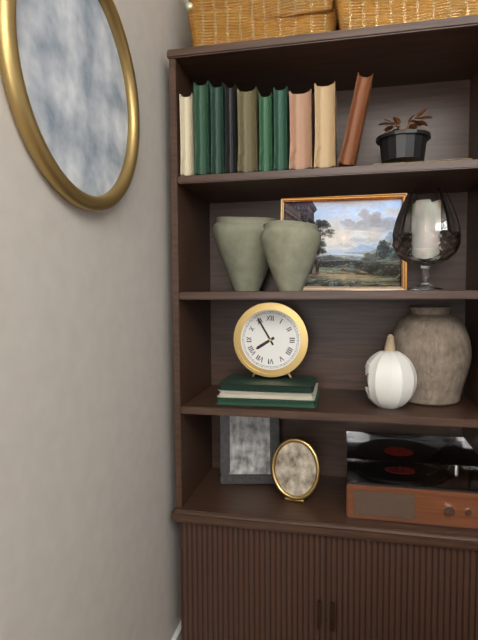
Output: **7:55**
